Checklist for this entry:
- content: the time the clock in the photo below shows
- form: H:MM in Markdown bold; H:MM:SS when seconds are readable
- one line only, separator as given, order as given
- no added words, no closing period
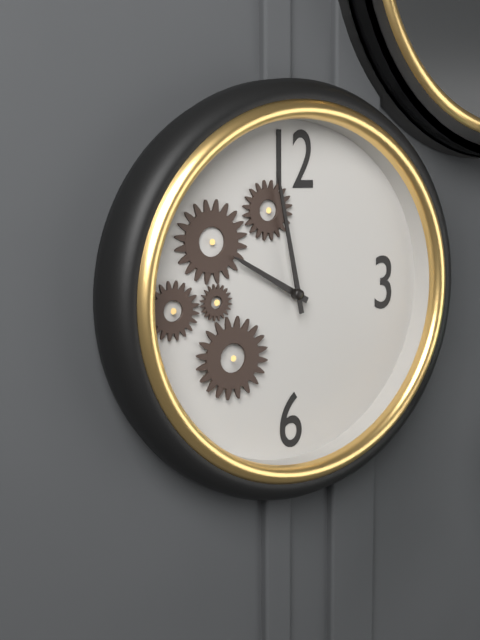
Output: **9:58**
